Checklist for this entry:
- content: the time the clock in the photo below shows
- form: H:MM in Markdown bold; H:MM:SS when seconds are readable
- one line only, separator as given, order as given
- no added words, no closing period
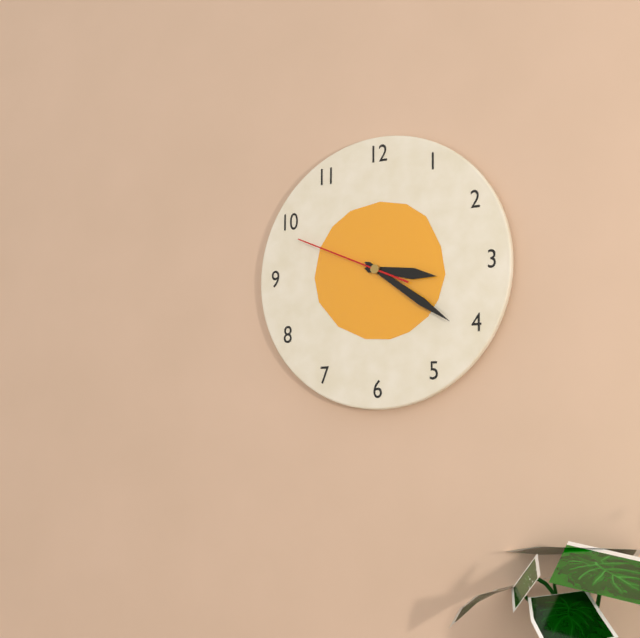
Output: **3:21:49**
